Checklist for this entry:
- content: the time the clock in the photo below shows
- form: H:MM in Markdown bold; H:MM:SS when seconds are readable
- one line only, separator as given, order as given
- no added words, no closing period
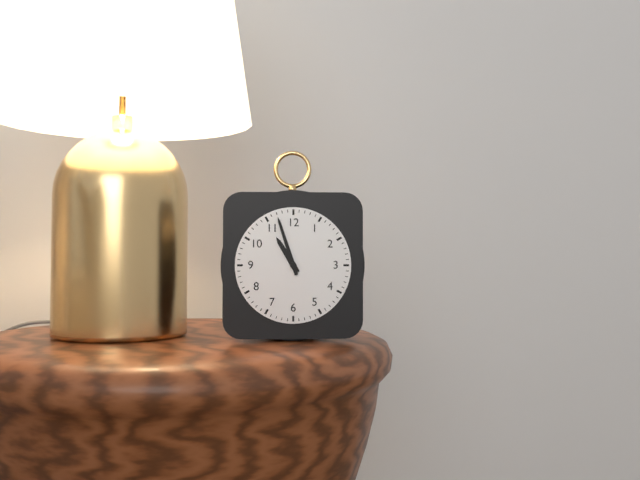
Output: **10:57**
